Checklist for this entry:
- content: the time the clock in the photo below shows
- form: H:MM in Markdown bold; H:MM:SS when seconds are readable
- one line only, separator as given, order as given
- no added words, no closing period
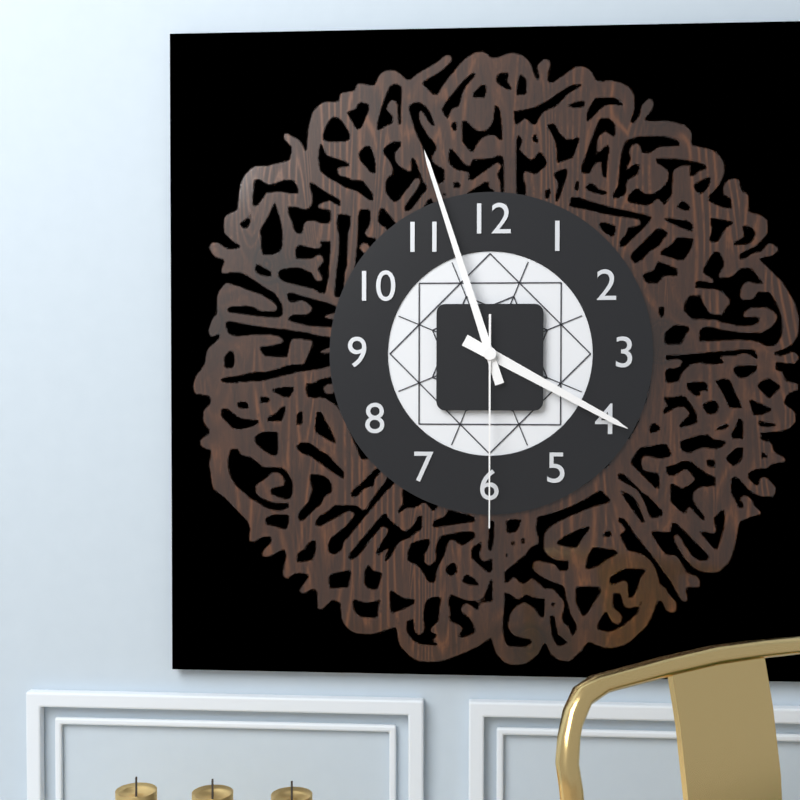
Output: **3:57:30**
